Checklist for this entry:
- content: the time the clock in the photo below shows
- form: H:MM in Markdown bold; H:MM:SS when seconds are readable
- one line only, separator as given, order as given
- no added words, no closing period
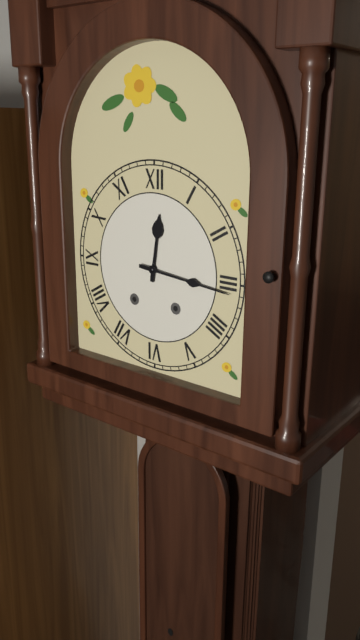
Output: **12:16**
